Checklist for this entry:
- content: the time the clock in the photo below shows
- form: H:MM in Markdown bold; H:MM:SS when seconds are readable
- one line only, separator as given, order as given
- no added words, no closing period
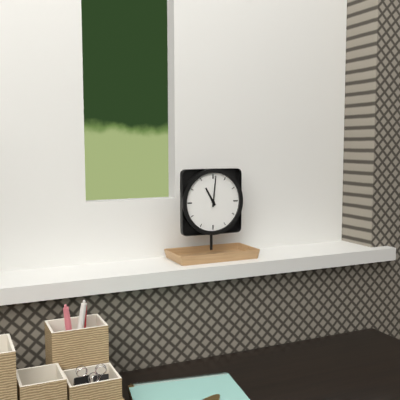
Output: **11:01**
